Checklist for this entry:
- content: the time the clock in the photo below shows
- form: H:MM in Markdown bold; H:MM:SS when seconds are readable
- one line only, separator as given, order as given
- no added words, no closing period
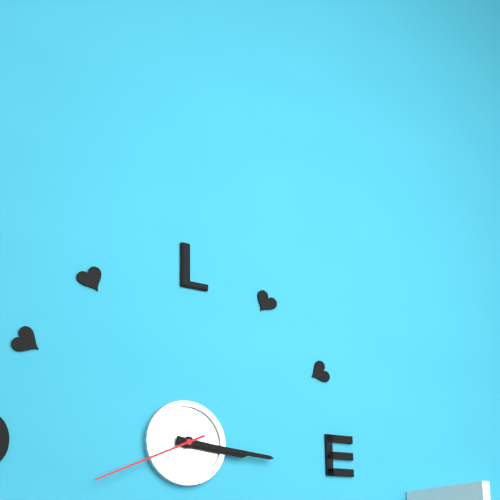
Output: **3:16:41**
